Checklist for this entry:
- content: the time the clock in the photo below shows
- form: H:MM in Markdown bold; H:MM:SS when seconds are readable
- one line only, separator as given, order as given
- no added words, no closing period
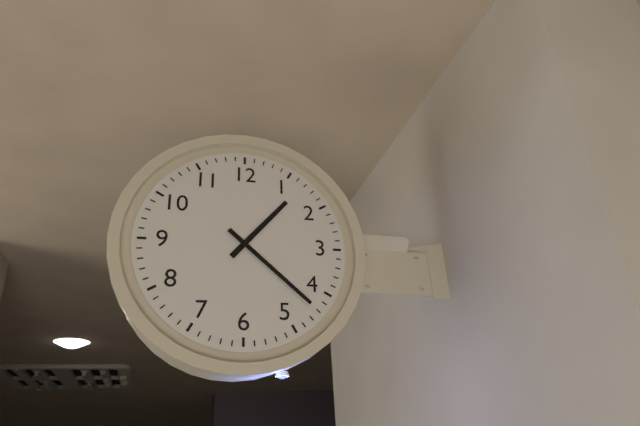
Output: **1:22**
